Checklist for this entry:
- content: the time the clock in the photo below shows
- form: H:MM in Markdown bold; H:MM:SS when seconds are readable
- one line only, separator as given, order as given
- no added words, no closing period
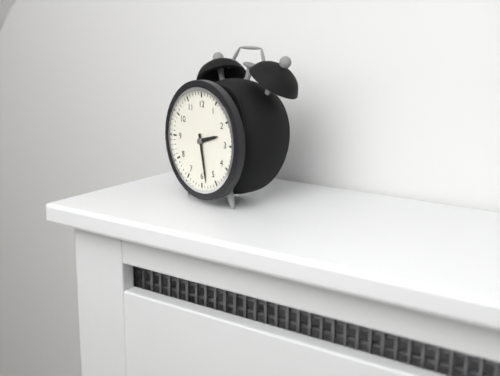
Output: **2:28**
